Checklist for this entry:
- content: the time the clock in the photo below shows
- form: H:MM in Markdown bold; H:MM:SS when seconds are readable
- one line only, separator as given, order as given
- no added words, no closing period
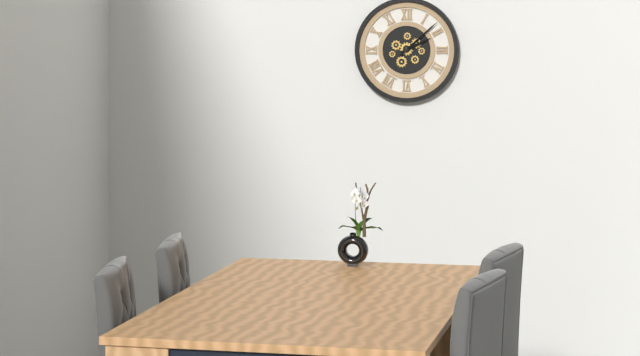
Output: **2:08**
